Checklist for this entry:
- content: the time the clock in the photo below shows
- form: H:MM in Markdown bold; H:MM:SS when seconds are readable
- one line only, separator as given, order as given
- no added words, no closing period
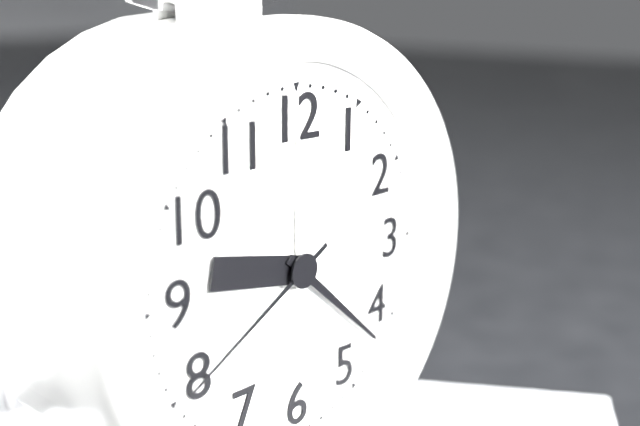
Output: **9:22:40**
